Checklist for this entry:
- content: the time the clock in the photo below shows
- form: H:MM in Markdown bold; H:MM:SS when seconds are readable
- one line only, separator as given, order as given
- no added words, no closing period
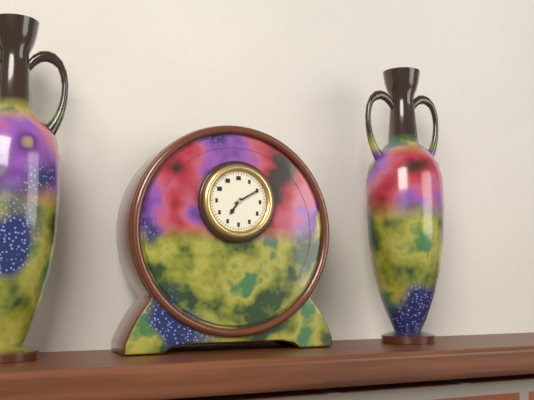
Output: **7:10**
